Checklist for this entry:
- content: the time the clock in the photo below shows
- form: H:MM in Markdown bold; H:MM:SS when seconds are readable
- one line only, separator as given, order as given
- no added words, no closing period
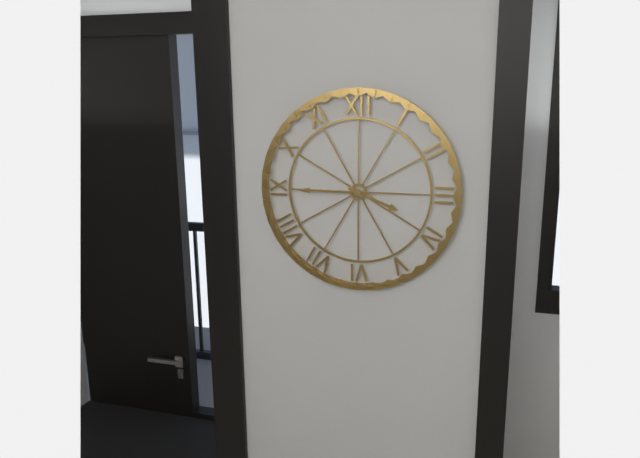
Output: **3:45**
